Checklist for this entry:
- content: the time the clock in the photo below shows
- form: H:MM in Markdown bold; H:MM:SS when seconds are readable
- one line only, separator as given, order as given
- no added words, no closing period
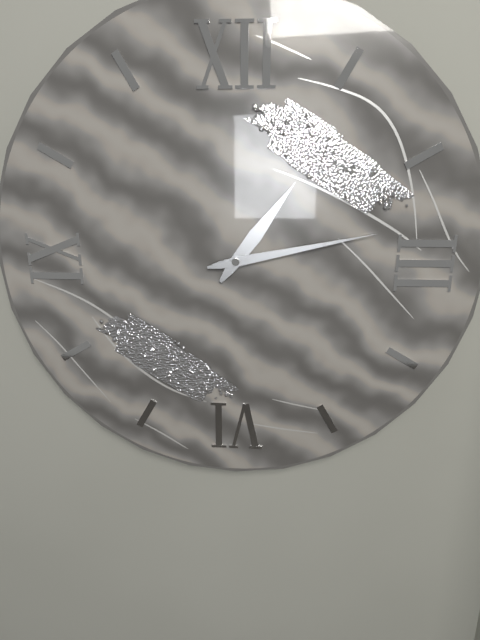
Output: **1:13**
